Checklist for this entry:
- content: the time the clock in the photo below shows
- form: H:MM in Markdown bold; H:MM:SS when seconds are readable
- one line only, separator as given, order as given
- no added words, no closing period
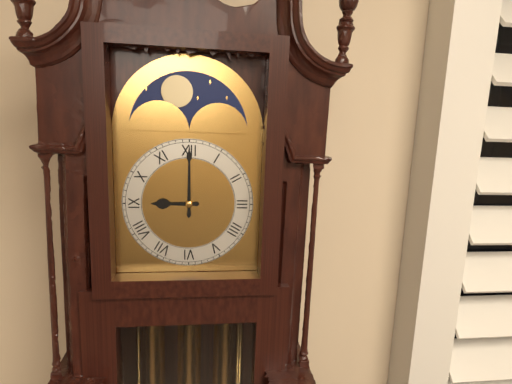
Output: **9:00**
